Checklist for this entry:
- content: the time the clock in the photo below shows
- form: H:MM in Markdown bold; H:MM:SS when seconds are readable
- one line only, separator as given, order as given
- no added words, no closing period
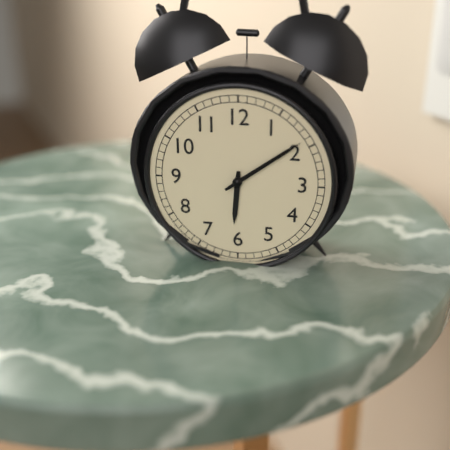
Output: **6:09**
